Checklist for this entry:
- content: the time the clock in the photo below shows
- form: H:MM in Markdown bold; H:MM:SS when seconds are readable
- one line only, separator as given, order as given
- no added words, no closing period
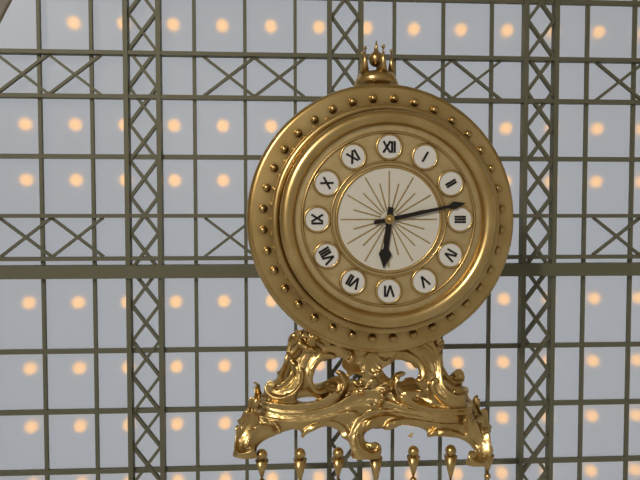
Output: **6:13**
